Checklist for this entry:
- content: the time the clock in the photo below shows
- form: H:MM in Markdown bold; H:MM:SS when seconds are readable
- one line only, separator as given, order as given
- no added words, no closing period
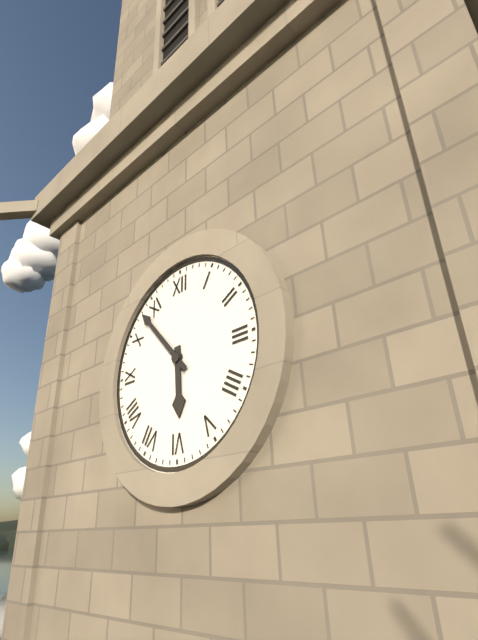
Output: **5:53**
